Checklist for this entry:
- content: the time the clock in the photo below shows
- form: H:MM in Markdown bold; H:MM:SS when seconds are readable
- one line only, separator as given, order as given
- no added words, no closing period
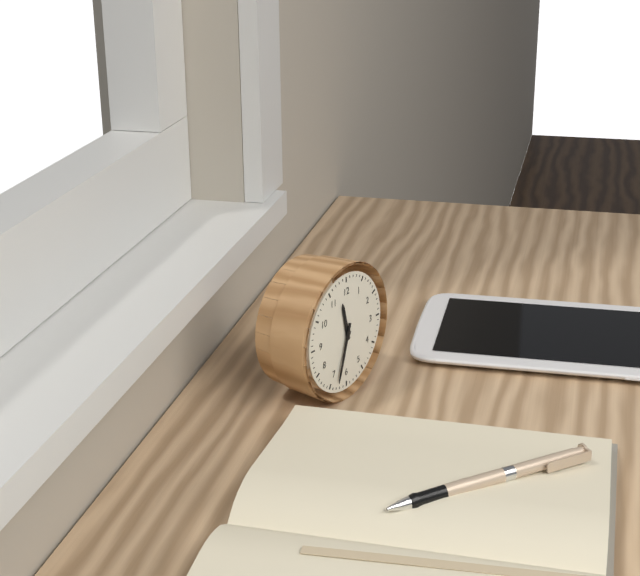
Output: **11:33**
